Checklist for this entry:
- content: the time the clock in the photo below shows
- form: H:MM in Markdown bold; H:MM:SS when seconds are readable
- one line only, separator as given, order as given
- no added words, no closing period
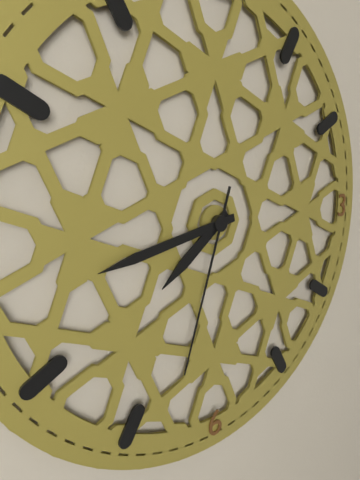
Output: **7:43:33**
